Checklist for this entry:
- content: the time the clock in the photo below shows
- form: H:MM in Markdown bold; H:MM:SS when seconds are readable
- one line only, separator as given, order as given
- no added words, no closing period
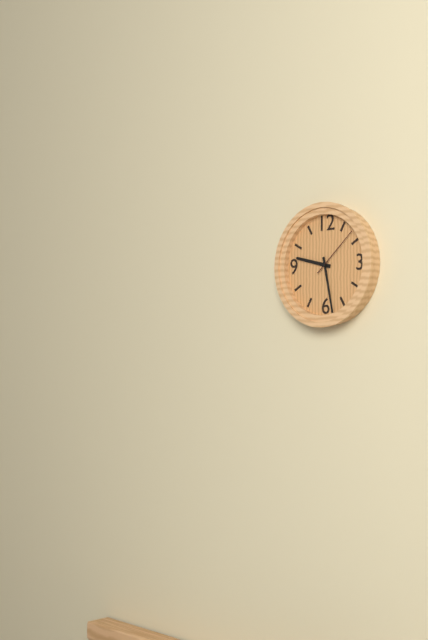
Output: **9:28:08**
